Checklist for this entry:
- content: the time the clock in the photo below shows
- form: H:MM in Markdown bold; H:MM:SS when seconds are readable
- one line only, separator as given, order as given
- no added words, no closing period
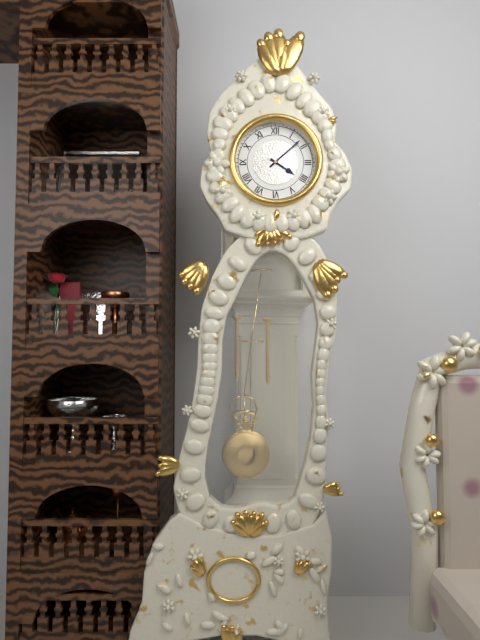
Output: **4:08**
